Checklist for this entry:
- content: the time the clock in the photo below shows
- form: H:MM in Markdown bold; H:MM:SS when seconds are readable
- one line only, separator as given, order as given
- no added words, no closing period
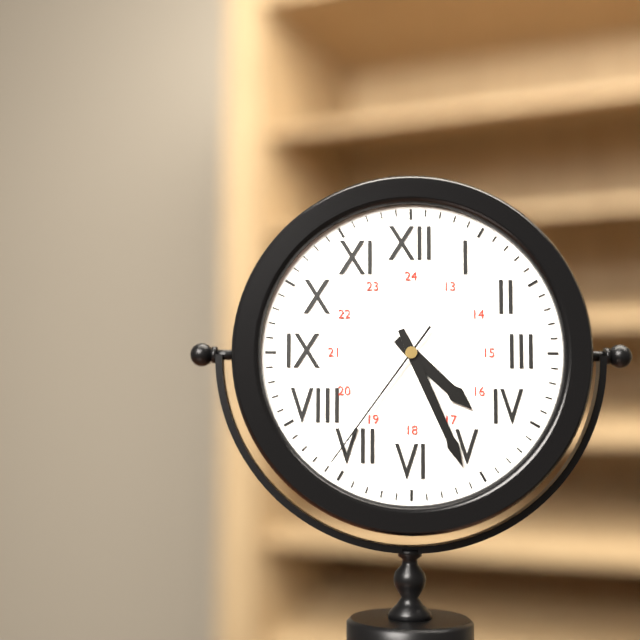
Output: **4:26:36**
